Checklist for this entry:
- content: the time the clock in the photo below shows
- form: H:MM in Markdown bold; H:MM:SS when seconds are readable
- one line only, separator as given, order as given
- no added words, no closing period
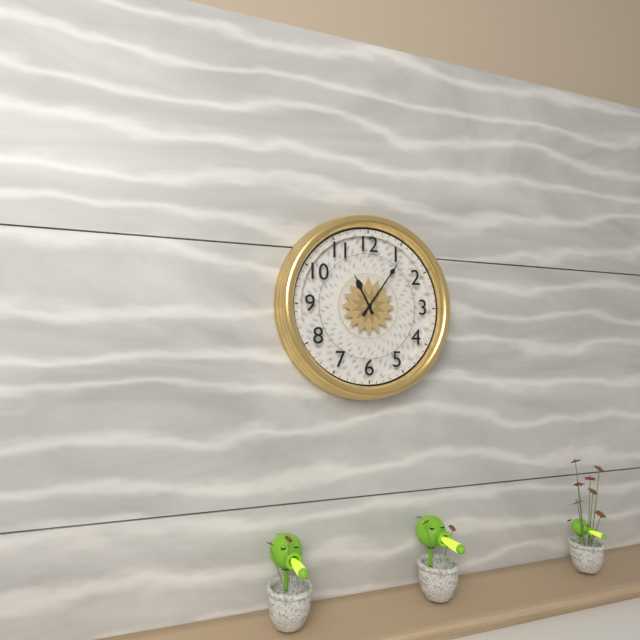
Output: **11:06**
